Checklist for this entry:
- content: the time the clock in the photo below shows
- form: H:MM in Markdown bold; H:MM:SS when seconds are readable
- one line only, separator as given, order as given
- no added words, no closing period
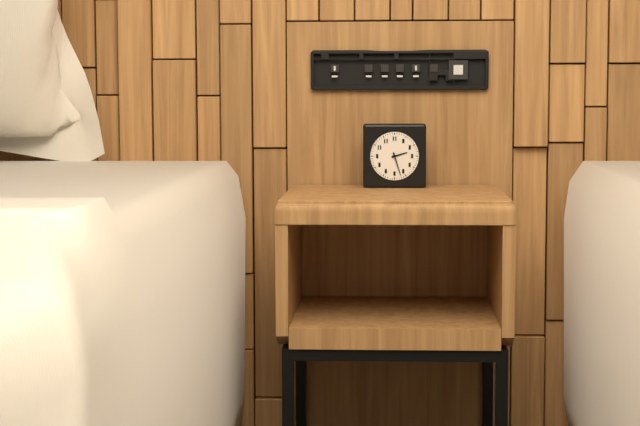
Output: **2:27**
